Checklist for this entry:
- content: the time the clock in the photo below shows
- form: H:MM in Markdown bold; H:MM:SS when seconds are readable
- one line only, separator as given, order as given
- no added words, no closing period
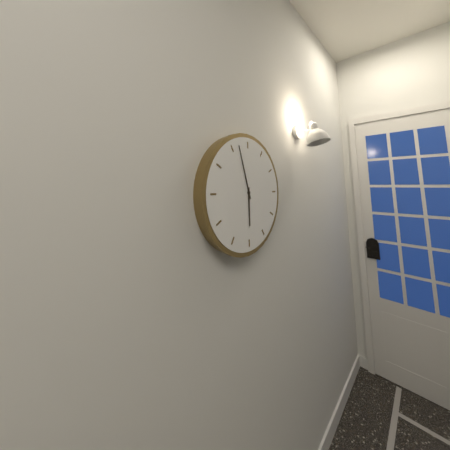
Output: **5:57**
